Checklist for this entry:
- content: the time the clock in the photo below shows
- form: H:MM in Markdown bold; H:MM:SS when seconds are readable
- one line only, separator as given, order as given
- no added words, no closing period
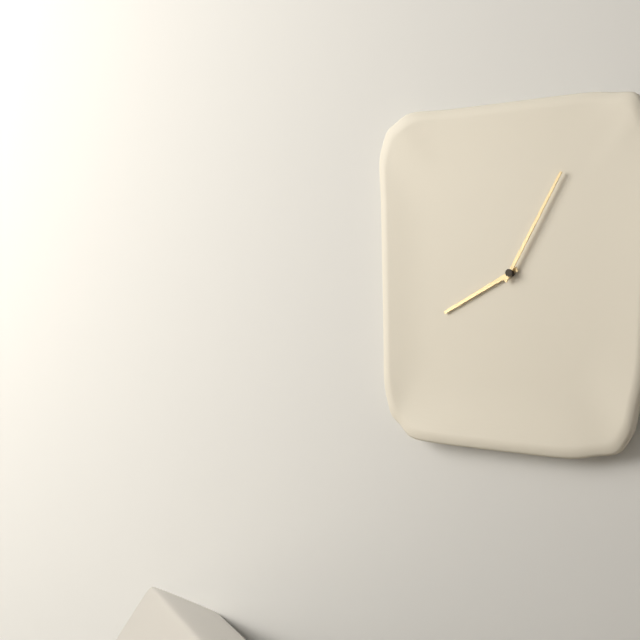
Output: **8:05**
